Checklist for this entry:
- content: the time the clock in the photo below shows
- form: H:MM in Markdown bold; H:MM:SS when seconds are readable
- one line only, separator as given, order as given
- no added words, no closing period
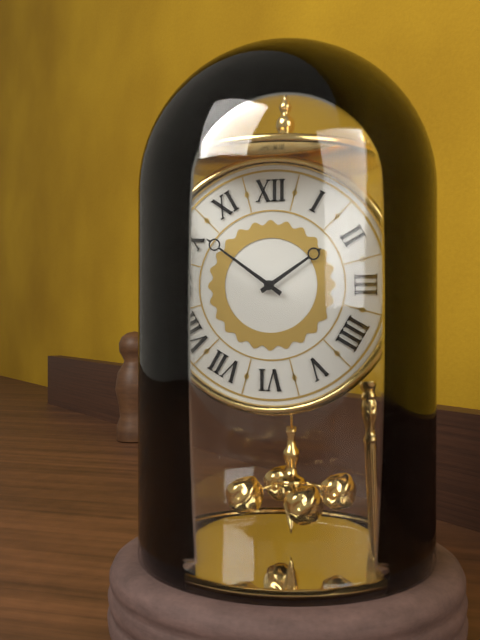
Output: **1:51**
